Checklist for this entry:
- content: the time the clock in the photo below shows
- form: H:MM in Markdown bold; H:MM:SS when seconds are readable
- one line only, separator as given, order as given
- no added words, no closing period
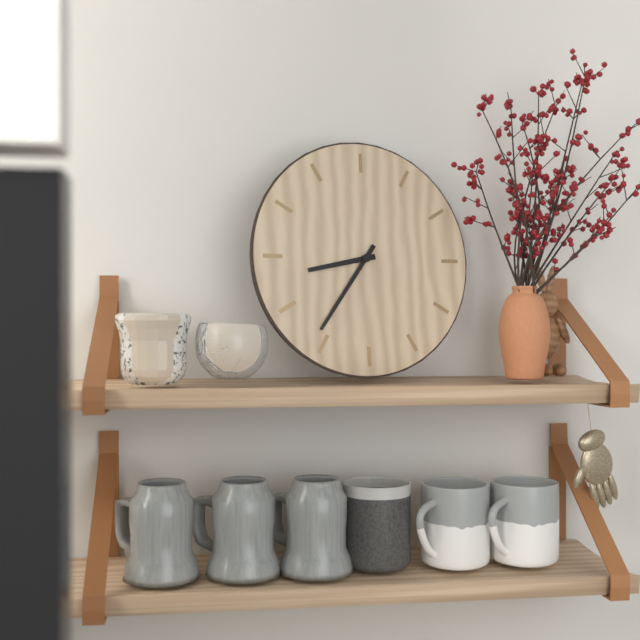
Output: **8:36**
